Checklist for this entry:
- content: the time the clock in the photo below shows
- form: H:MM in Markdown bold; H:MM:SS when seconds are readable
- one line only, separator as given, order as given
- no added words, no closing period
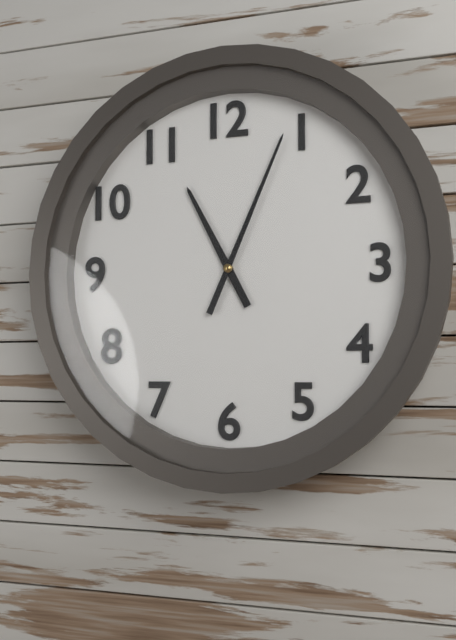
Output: **11:04**
